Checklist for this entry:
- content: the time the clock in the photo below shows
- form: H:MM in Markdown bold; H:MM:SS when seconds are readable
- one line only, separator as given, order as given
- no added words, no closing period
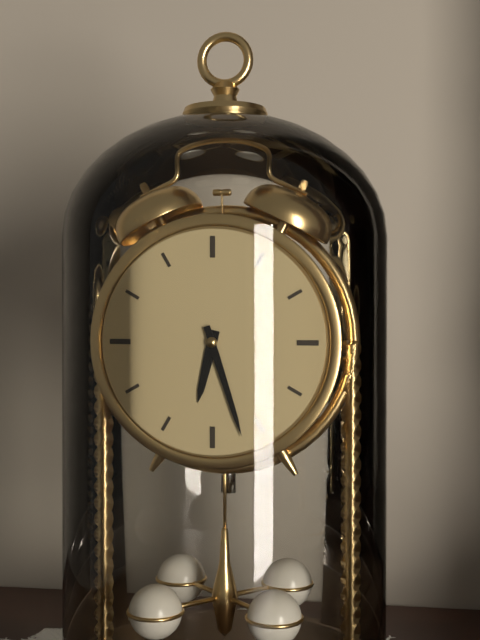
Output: **6:27**
